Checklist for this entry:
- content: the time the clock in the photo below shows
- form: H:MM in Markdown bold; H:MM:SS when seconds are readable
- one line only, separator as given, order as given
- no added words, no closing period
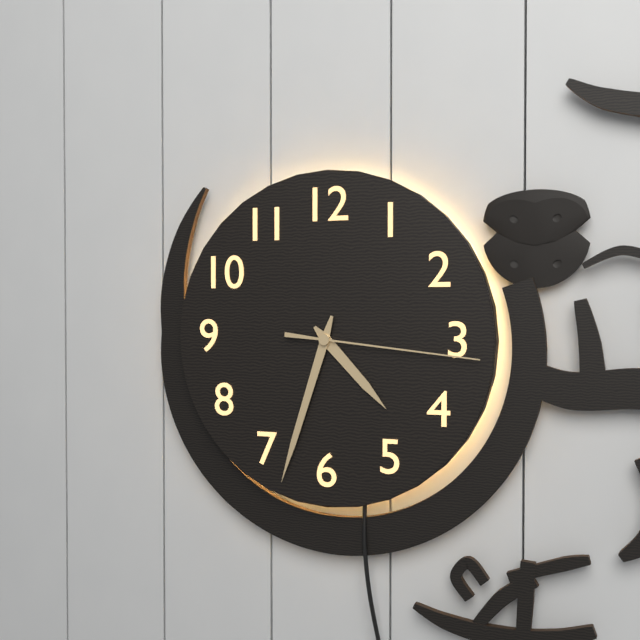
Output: **4:33:16**
